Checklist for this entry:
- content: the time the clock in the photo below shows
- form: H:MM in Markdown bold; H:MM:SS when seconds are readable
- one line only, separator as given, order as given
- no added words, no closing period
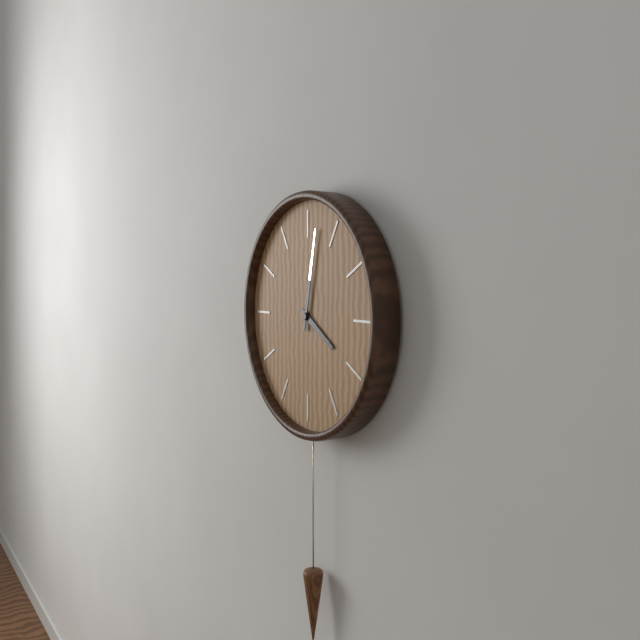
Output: **4:02**
